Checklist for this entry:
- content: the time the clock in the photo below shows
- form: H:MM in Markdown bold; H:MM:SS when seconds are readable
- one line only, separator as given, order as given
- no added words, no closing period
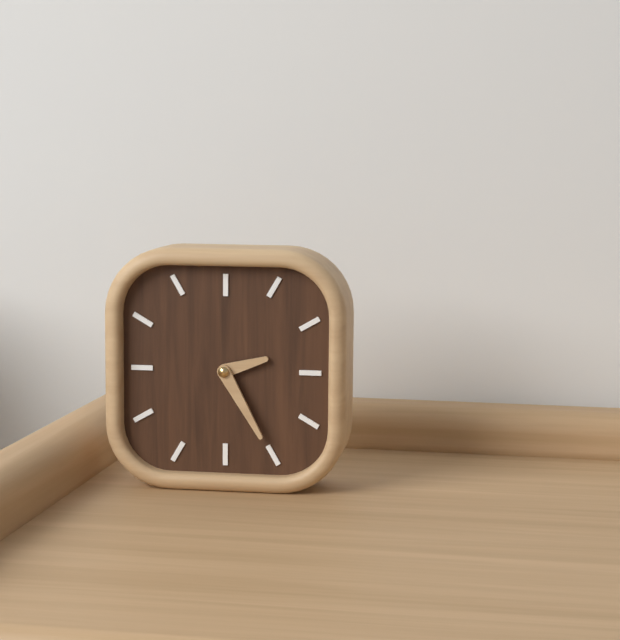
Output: **2:25**
